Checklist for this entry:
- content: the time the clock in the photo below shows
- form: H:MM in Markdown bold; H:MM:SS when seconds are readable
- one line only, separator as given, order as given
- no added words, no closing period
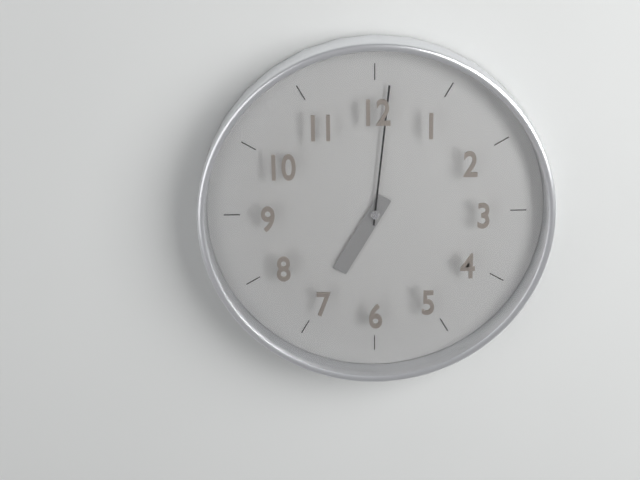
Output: **7:01**
